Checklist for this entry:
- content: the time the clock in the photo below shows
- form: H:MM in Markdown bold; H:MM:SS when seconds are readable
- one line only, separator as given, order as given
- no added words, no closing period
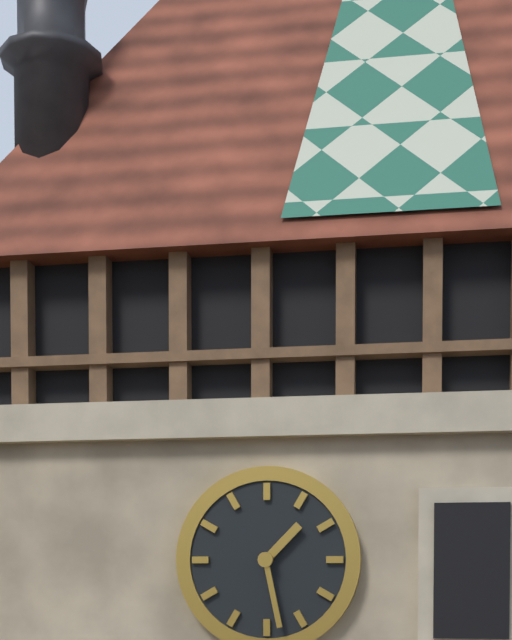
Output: **1:28**
